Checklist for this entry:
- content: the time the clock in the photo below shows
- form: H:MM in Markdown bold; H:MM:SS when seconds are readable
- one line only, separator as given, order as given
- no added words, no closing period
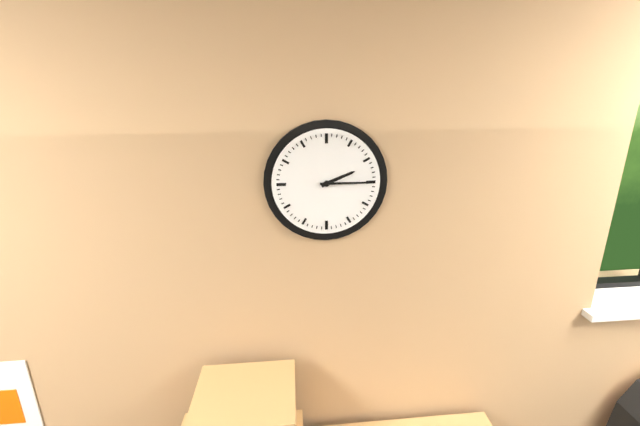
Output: **2:15**
